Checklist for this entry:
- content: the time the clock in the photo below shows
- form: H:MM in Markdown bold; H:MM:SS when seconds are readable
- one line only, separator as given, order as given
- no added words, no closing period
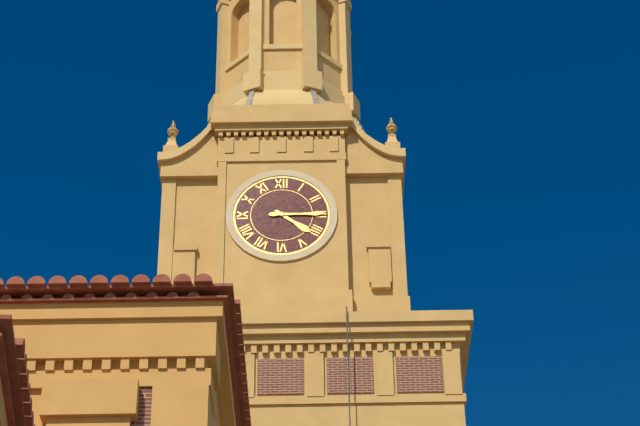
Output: **4:15**
